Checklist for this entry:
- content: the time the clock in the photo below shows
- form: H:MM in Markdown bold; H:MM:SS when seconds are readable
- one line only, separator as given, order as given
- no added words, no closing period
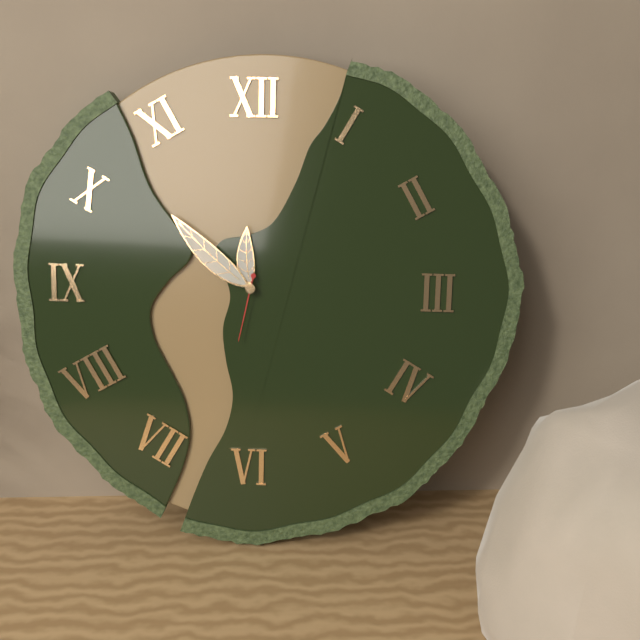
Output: **11:52:32**
